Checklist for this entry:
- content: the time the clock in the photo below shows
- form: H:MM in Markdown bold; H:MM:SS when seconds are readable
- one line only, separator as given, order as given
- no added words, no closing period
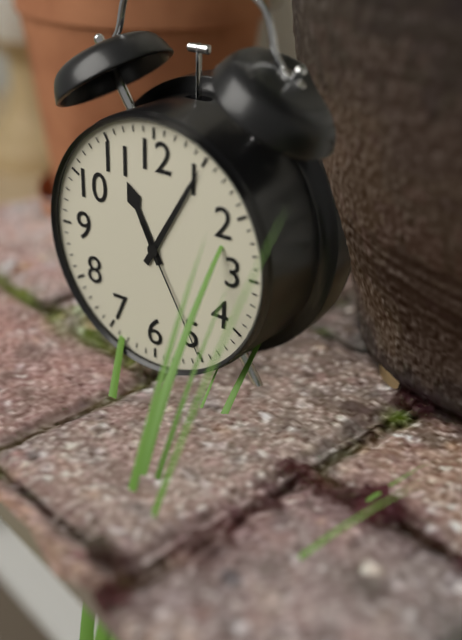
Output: **11:05:25**
